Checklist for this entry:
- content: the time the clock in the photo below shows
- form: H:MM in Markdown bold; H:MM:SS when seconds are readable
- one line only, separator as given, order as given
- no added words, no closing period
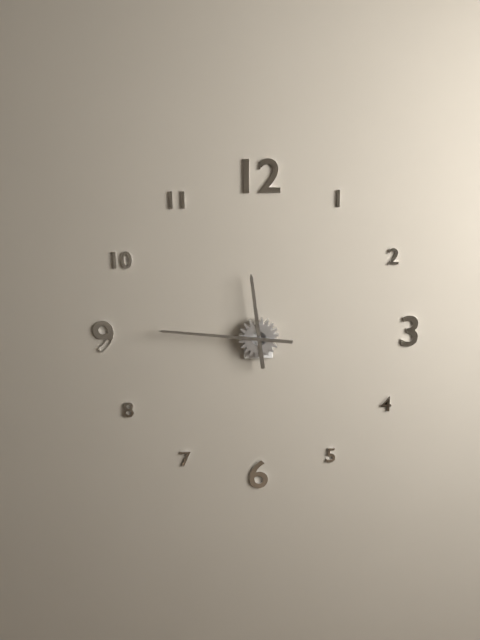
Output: **11:46**
